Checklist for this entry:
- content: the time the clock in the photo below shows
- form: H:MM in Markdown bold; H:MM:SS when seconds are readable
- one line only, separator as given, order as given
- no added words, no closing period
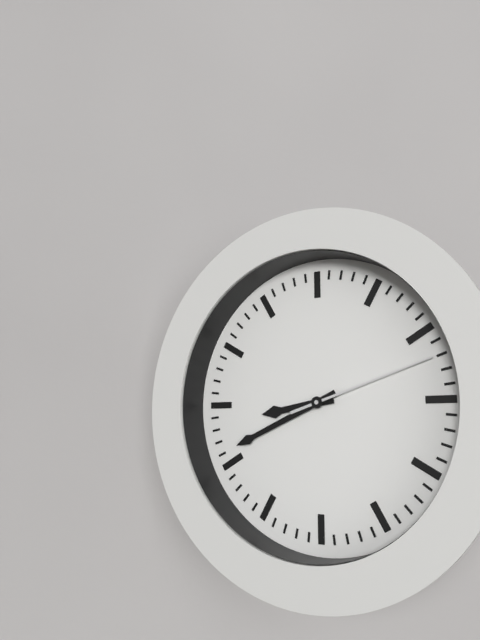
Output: **8:41:12**
